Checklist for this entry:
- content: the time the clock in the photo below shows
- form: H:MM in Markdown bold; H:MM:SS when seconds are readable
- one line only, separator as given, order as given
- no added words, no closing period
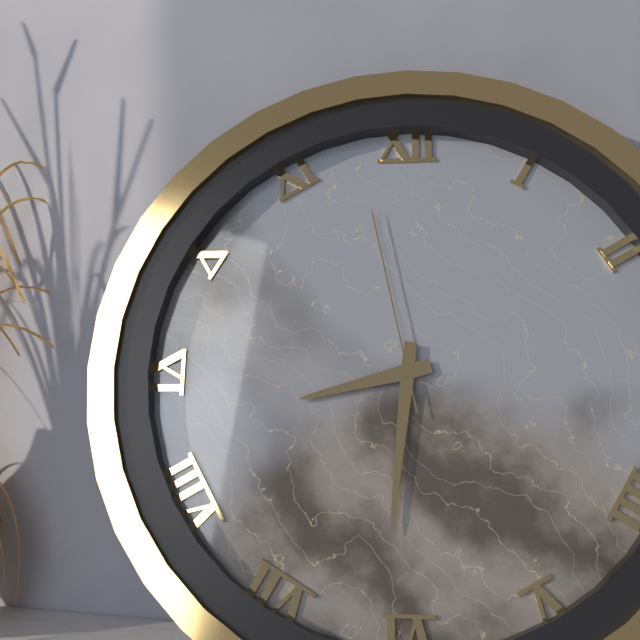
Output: **8:31:58**
